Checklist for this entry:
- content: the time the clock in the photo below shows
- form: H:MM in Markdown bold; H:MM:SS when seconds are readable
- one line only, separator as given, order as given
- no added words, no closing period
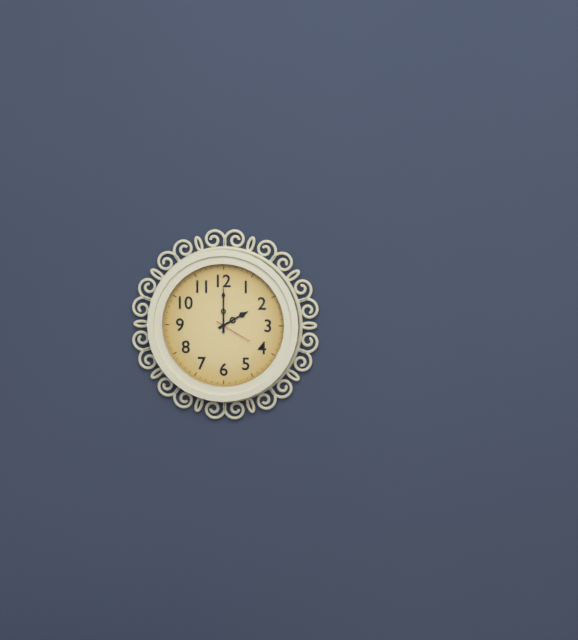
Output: **2:00**
